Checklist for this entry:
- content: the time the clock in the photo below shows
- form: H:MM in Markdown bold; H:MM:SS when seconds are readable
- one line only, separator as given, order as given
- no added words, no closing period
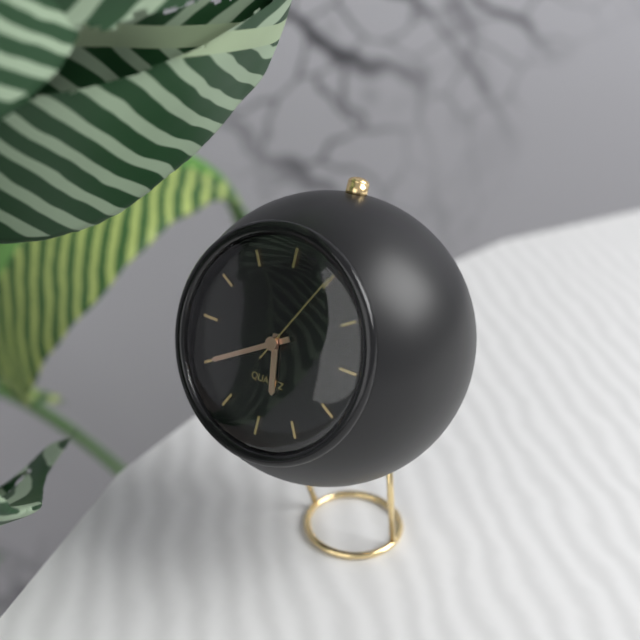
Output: **5:40:05**
